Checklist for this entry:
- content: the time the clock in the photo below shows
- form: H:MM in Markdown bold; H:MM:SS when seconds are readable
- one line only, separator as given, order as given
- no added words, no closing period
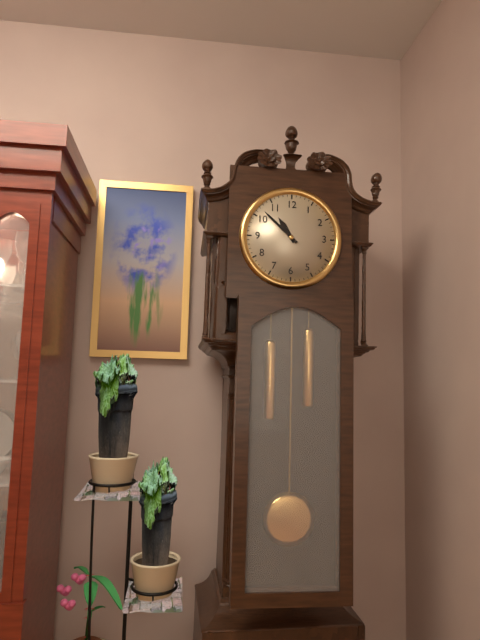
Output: **10:52**
